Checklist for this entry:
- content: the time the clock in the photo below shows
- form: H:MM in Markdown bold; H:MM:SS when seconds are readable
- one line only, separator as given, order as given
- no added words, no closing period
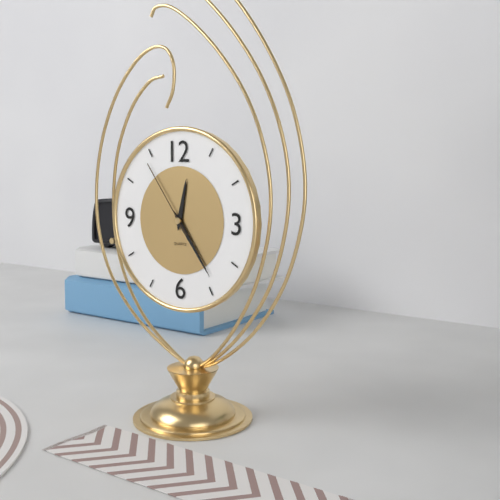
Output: **12:24:54**
